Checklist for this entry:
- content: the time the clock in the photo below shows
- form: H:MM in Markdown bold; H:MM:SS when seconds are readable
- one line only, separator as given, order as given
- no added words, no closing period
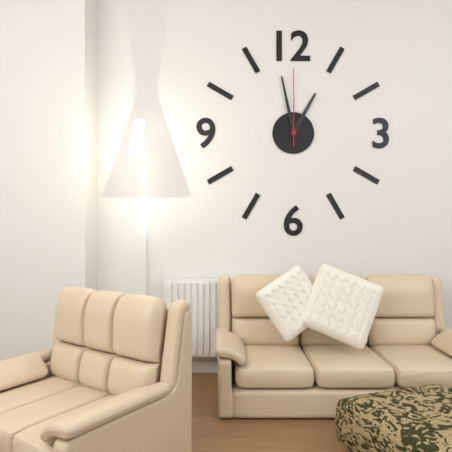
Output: **12:58:00**
